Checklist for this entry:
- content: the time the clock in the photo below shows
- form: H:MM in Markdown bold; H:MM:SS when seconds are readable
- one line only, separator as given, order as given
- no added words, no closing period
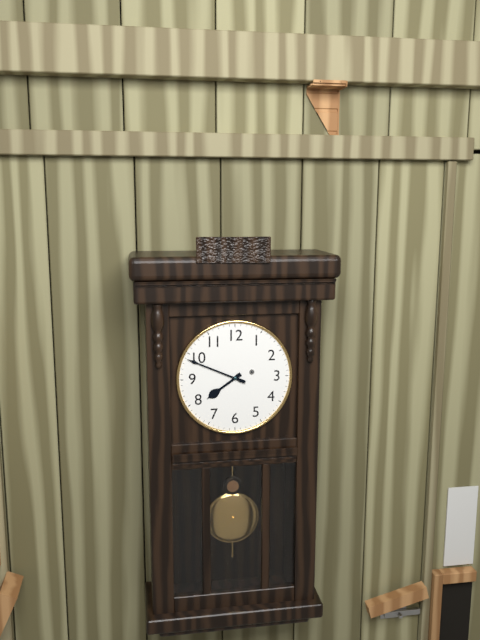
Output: **7:49**
